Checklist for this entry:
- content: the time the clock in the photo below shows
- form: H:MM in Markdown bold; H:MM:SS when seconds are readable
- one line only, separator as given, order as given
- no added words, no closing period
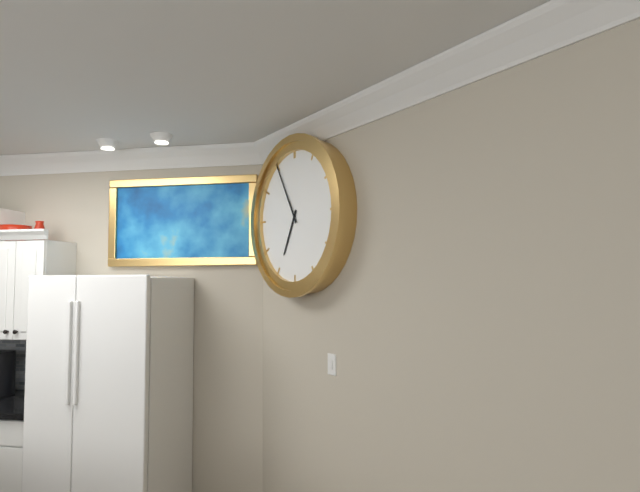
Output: **6:55**
